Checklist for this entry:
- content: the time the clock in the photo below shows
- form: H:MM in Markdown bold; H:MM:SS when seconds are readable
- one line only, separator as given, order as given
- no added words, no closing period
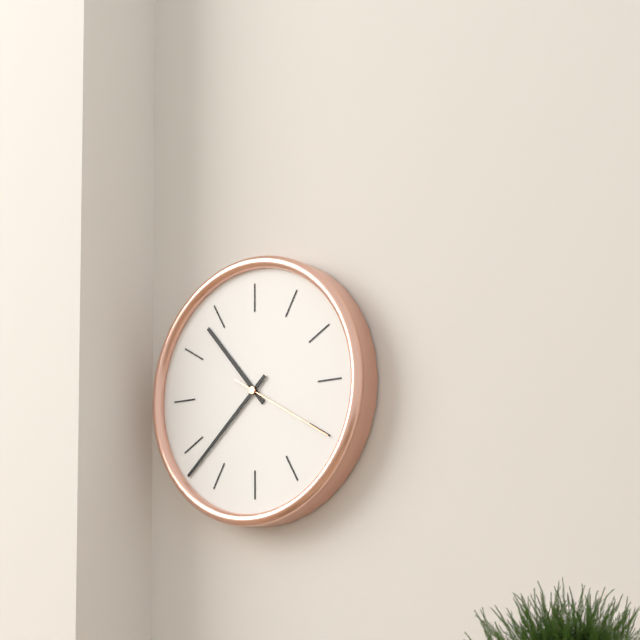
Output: **10:38:20**
